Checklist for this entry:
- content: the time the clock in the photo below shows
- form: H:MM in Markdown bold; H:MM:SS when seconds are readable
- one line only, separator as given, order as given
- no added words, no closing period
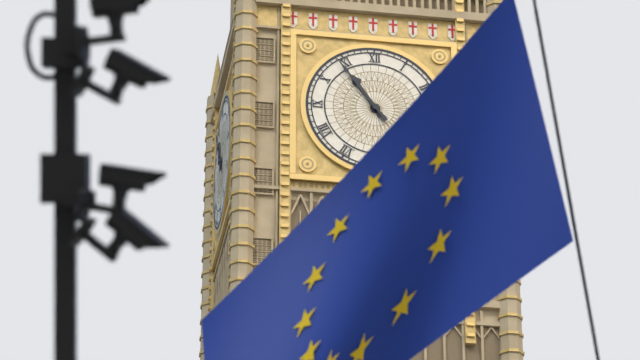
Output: **10:54**
